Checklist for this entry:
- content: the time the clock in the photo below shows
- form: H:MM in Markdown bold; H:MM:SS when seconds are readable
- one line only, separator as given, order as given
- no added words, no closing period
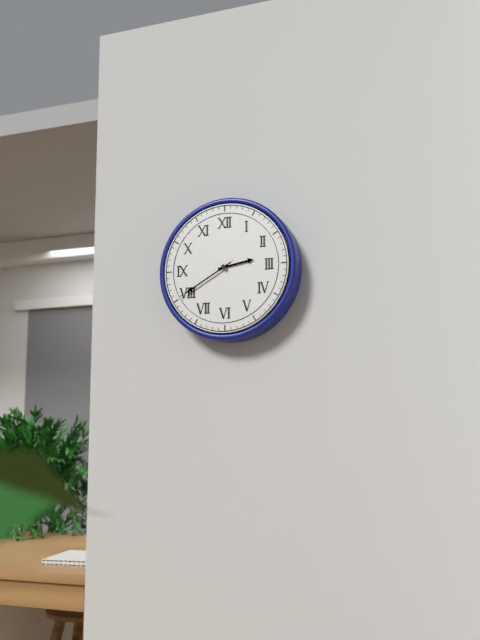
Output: **2:40:40**
